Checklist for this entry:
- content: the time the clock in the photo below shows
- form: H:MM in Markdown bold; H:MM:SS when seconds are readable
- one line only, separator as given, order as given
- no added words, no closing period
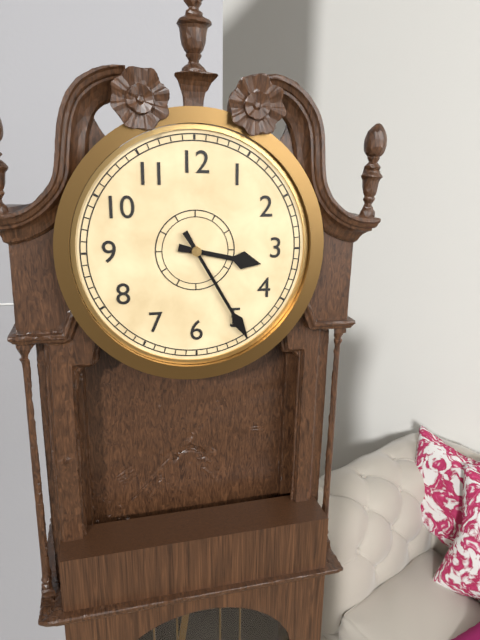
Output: **3:25**
